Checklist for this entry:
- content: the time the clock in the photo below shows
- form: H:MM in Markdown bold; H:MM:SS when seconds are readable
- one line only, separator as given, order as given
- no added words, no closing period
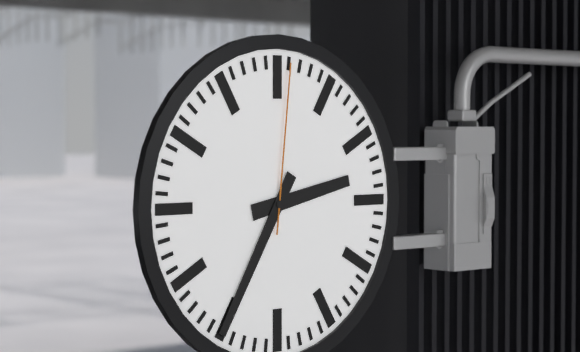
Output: **2:35:01**
